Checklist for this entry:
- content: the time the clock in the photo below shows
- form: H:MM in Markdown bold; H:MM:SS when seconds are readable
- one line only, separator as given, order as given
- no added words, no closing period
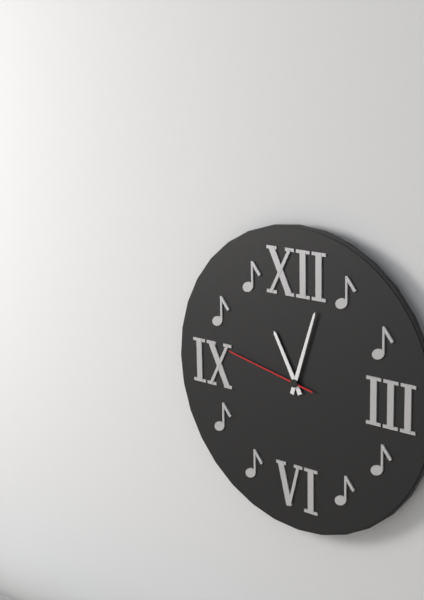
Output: **11:03:47**
